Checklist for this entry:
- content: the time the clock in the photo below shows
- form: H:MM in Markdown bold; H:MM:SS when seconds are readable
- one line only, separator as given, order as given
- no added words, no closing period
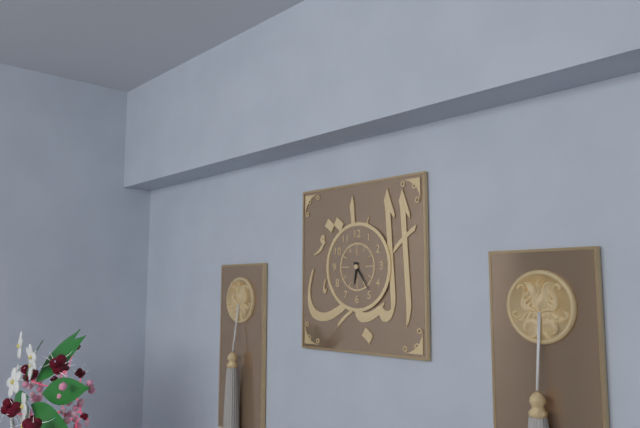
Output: **6:24**
